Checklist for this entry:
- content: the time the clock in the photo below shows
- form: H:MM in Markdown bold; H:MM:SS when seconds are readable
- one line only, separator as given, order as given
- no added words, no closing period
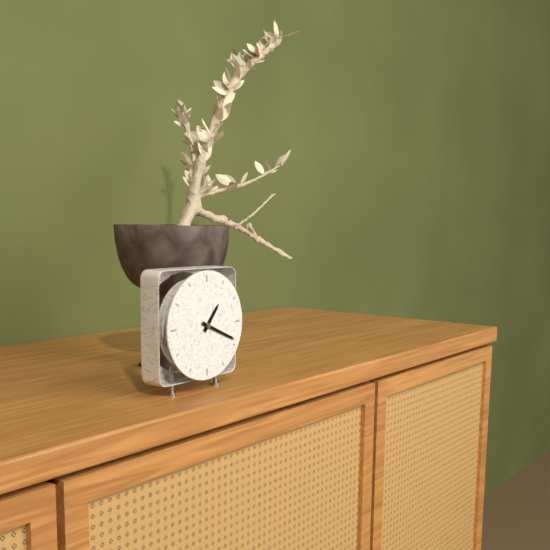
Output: **1:19**
